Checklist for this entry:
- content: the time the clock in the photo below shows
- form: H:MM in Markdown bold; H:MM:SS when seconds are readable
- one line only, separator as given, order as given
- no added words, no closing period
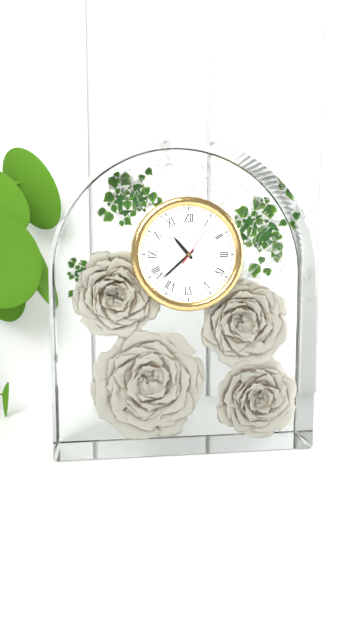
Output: **10:38:06**
